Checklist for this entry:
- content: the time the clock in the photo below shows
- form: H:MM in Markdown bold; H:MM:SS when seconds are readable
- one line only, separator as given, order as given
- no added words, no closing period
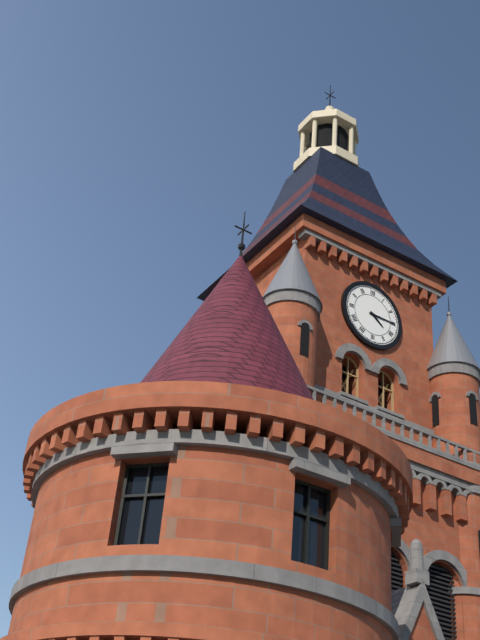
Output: **4:15**
